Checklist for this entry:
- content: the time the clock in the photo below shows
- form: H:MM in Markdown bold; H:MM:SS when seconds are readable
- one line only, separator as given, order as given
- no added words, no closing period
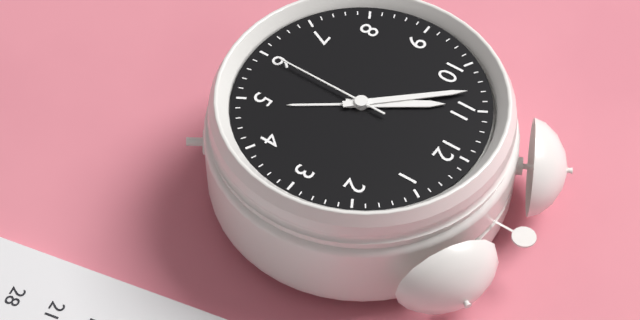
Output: **10:53:30**
